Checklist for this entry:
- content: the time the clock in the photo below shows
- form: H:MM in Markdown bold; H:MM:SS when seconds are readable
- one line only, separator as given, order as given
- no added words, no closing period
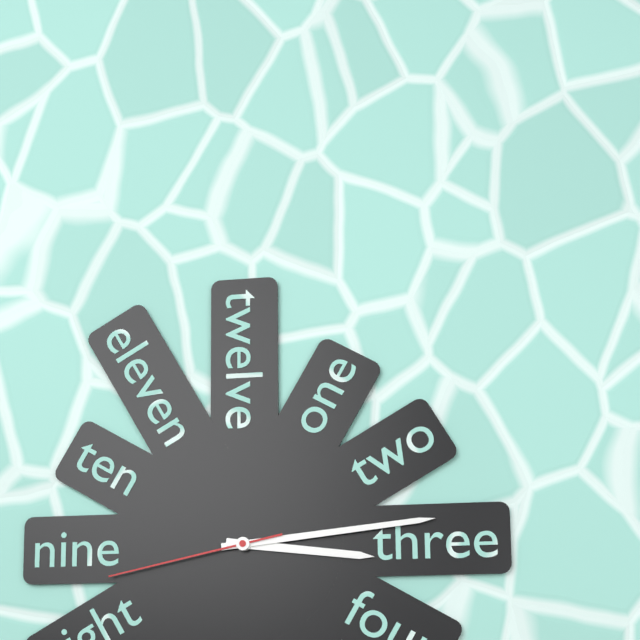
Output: **3:14:43**
